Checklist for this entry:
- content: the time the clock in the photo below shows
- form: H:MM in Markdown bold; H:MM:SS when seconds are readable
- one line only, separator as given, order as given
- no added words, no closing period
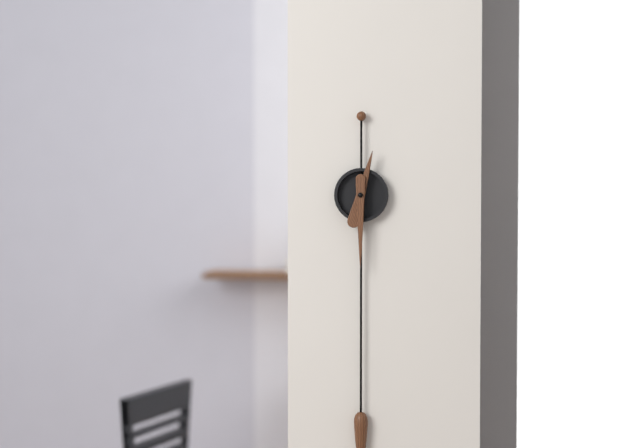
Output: **12:30**
